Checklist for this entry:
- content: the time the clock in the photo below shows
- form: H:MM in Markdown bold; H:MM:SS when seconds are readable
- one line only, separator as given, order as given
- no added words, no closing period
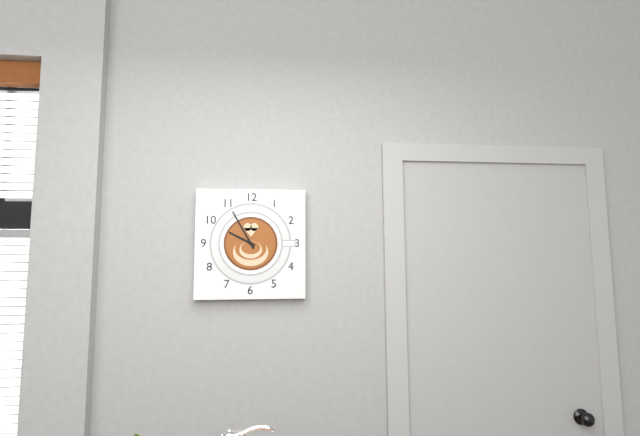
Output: **9:55**
